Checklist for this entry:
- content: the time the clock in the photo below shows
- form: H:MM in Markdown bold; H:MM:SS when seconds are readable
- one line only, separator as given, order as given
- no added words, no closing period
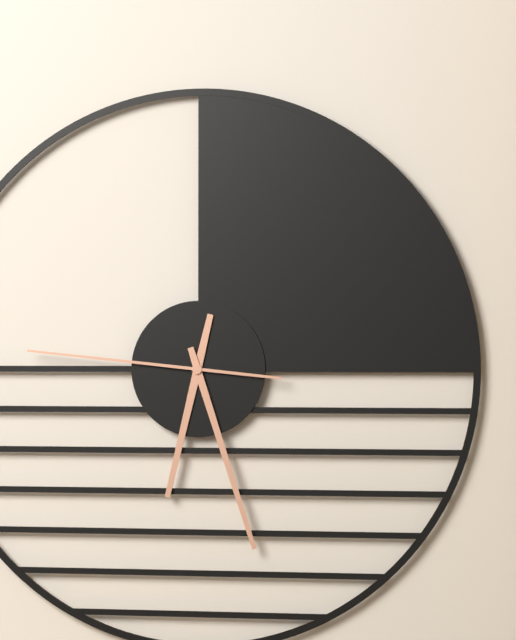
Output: **6:27:46**
